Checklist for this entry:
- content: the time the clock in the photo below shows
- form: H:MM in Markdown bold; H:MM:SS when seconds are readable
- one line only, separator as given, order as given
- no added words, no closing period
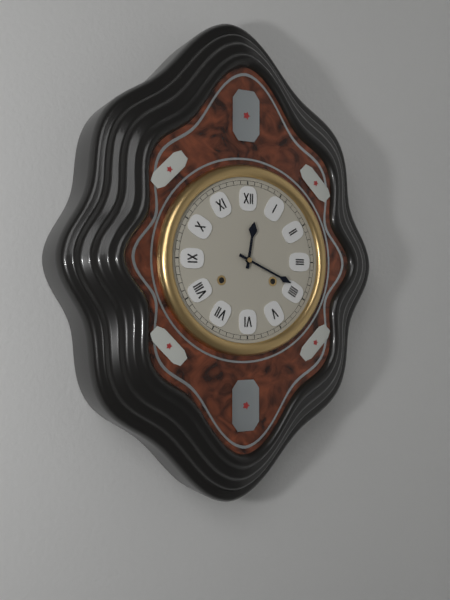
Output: **12:19**
